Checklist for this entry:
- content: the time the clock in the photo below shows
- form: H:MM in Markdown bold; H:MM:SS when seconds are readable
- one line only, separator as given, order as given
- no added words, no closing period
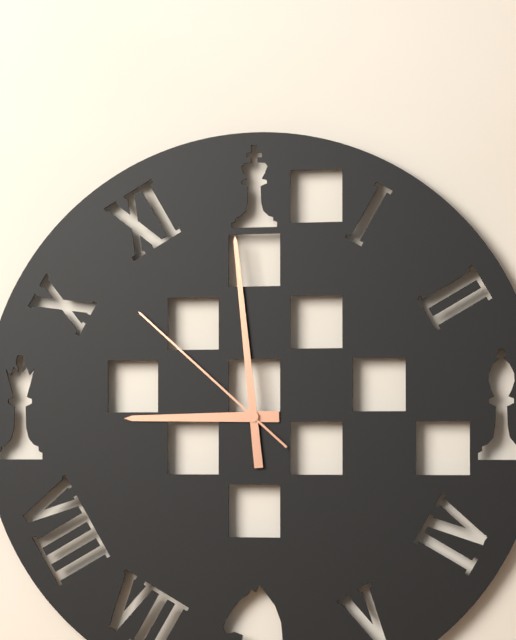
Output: **8:59:52**
